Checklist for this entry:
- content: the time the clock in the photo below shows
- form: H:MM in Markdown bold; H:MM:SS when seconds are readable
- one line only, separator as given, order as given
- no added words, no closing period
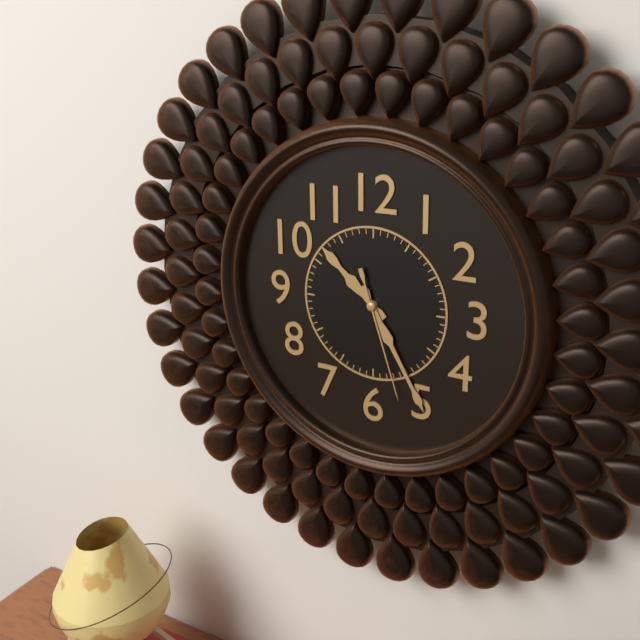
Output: **10:25:27**
